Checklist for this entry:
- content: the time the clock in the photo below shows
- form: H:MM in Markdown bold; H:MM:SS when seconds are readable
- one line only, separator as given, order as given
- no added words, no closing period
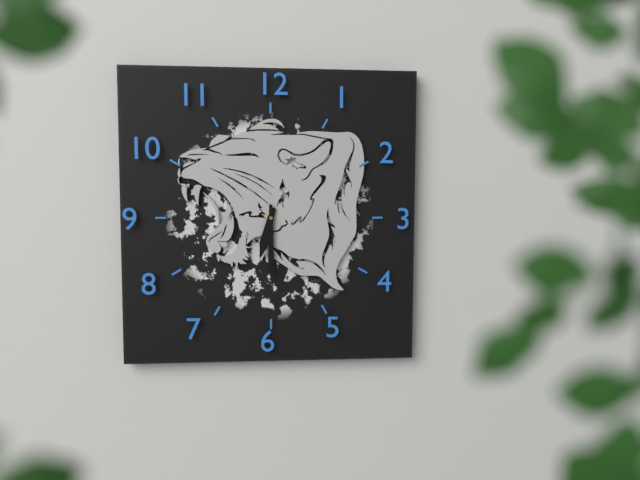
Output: **6:30**
